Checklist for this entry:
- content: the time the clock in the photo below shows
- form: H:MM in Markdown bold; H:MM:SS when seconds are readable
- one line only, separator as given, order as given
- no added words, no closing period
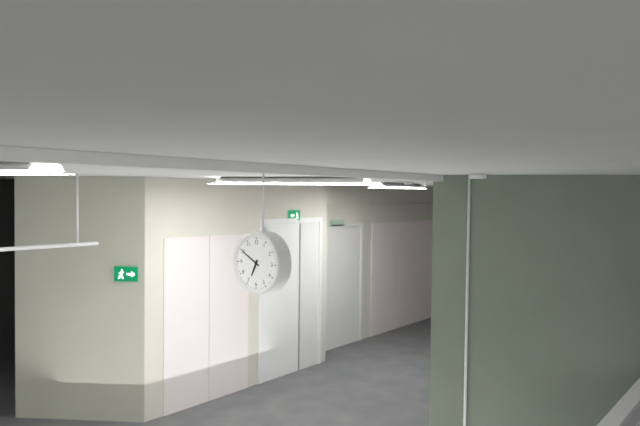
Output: **6:50**
